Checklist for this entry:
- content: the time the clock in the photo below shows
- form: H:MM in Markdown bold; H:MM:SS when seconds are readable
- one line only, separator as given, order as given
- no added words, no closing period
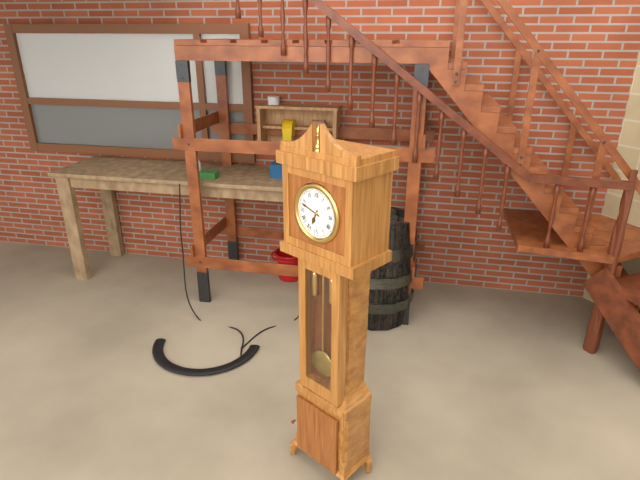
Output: **6:48**
